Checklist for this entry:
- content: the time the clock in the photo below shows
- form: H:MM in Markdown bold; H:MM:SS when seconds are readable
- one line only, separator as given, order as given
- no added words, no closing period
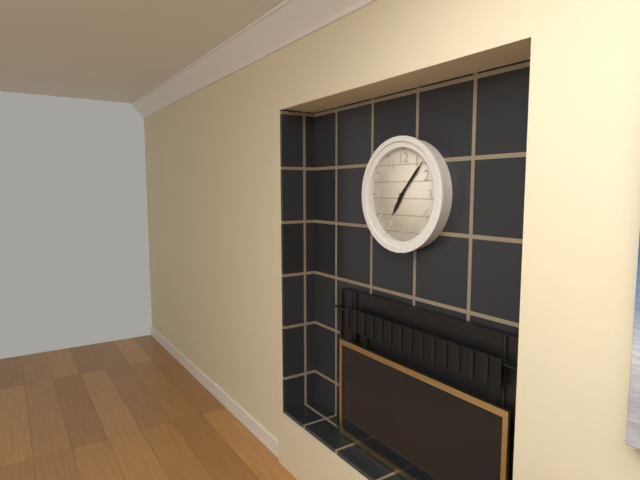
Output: **7:07**
